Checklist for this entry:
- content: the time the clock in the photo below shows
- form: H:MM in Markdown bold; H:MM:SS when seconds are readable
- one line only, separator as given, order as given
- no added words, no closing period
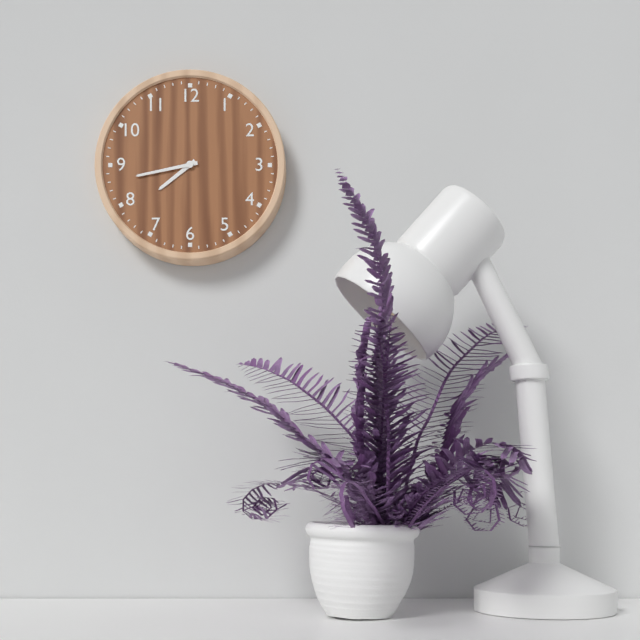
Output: **7:43**
